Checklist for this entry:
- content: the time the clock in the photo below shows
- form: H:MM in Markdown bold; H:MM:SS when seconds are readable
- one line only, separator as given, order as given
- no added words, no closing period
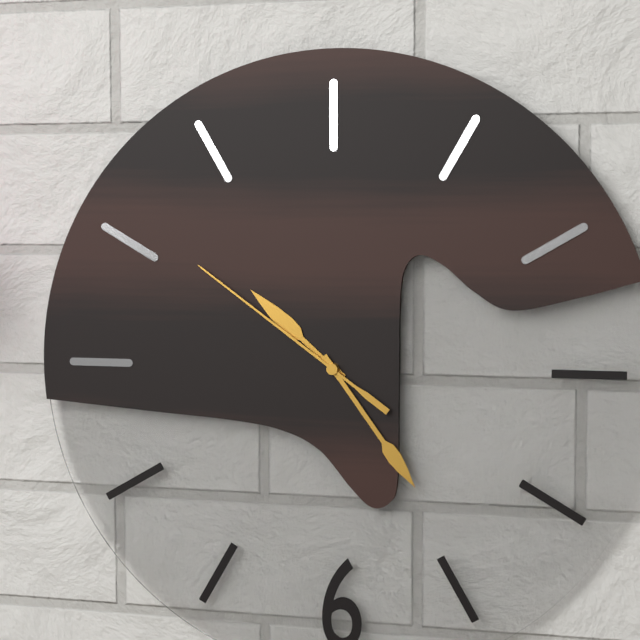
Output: **10:24:51**
